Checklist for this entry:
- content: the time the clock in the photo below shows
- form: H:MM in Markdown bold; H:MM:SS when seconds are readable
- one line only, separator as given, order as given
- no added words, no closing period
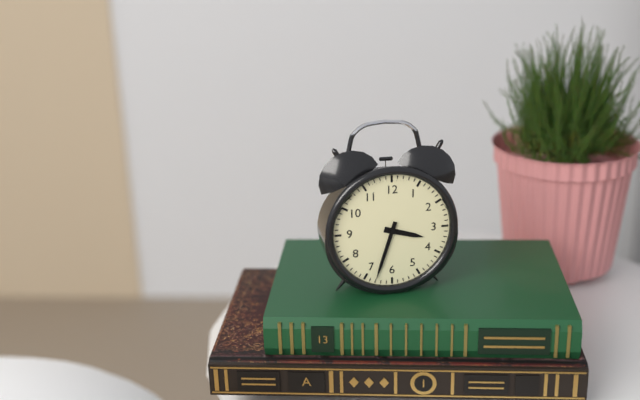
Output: **3:33**
